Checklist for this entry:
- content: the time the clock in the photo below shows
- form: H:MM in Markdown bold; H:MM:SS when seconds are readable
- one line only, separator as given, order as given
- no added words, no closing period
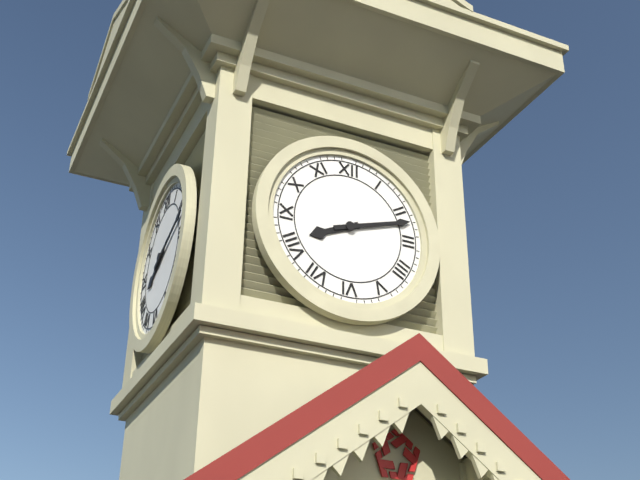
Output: **8:12**
